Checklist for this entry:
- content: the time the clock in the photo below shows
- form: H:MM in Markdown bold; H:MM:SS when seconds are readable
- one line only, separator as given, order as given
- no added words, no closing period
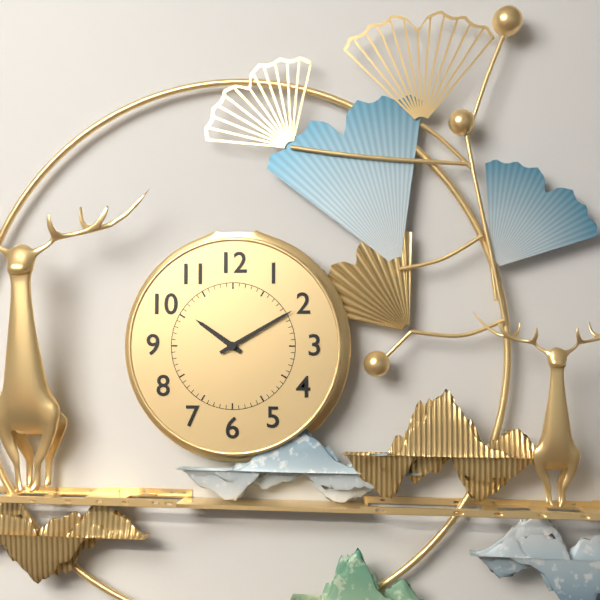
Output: **10:10**
